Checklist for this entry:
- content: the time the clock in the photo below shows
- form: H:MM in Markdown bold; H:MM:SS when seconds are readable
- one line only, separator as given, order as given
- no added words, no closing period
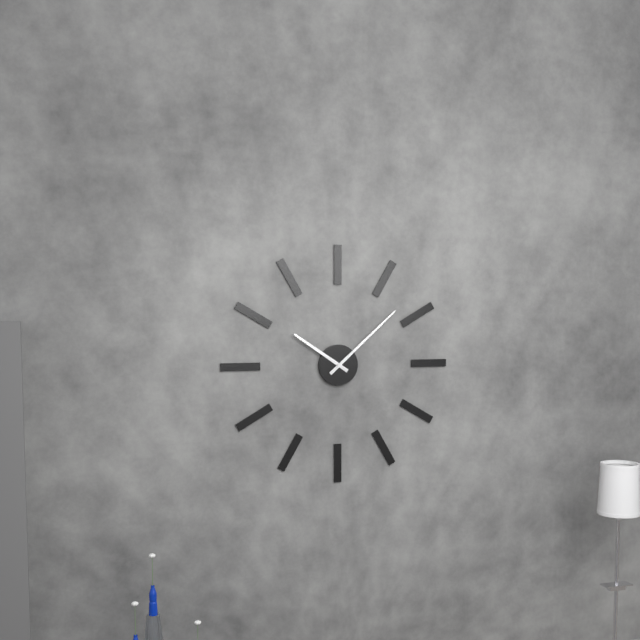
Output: **10:08**
